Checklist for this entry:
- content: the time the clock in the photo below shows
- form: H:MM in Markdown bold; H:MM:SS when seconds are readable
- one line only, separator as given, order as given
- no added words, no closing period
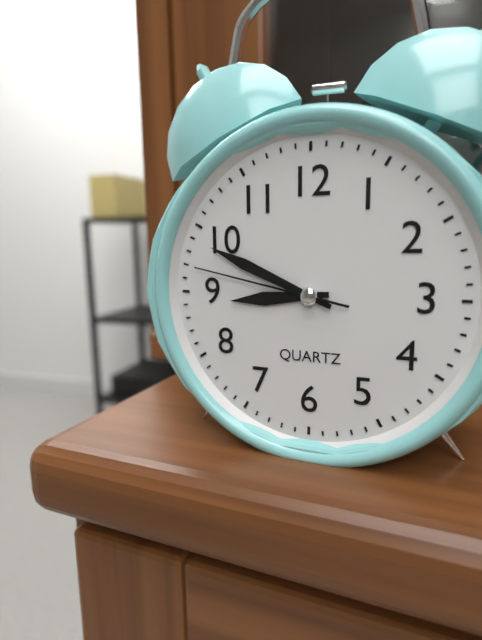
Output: **8:49:47**
